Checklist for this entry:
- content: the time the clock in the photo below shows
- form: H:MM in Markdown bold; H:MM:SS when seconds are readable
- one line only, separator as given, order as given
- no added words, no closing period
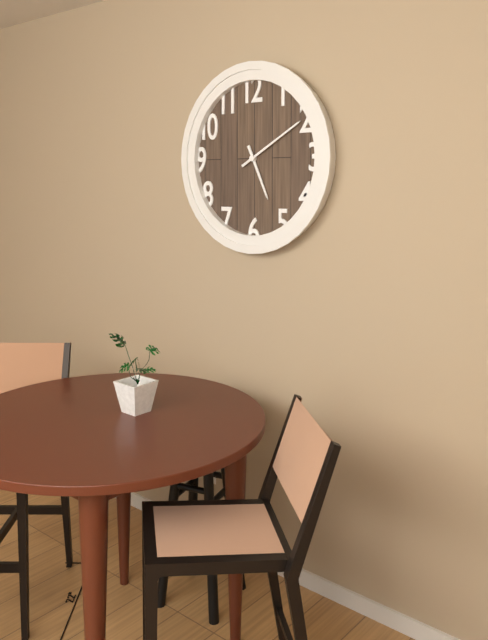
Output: **5:10**
